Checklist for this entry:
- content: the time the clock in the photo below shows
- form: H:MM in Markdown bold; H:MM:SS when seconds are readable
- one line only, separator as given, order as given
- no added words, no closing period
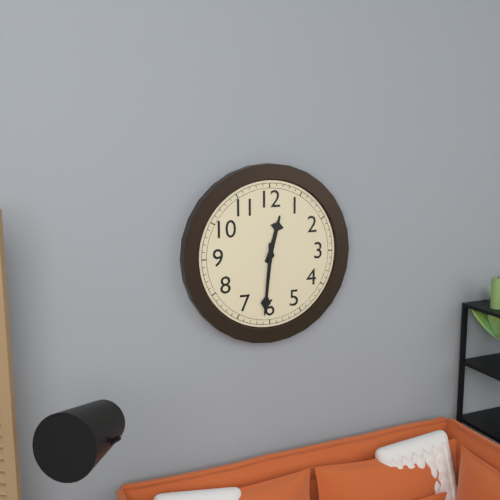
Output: **12:31**
